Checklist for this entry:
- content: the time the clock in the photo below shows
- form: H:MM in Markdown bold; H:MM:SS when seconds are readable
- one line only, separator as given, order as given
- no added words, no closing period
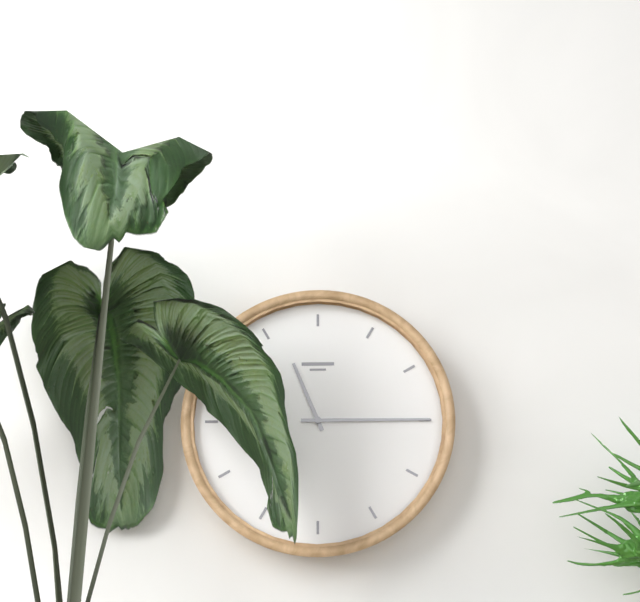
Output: **11:15**
